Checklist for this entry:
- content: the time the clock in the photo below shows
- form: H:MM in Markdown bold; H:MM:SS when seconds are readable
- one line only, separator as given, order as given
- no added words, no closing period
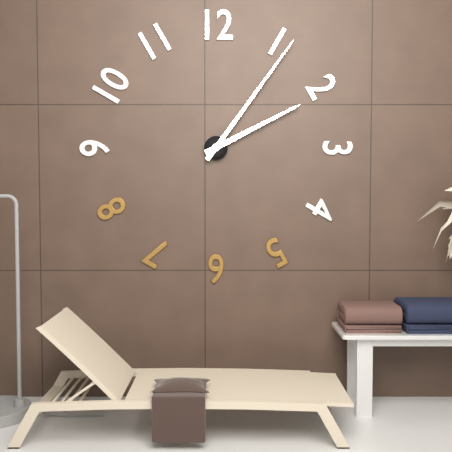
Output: **2:06**
